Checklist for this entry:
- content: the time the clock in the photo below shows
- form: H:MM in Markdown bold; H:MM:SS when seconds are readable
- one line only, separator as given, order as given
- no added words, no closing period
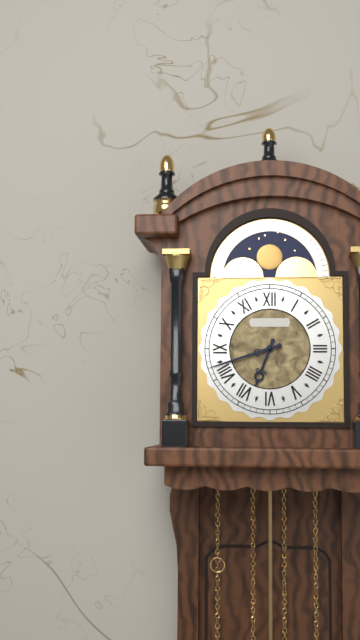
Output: **6:42**
